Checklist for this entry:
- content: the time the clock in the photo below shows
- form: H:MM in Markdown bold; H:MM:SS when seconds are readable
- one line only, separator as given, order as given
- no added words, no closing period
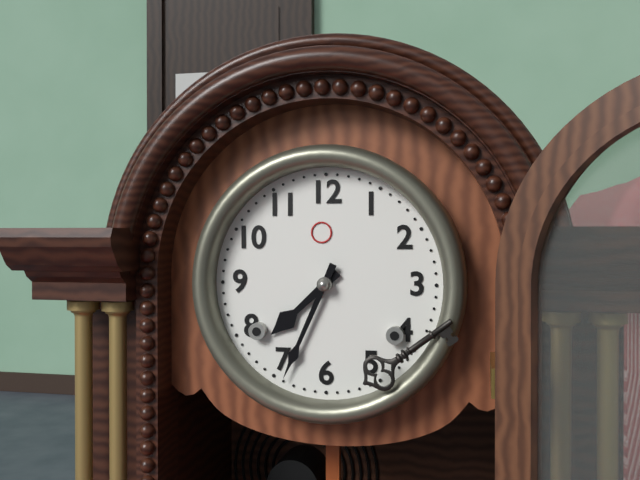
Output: **7:34**
